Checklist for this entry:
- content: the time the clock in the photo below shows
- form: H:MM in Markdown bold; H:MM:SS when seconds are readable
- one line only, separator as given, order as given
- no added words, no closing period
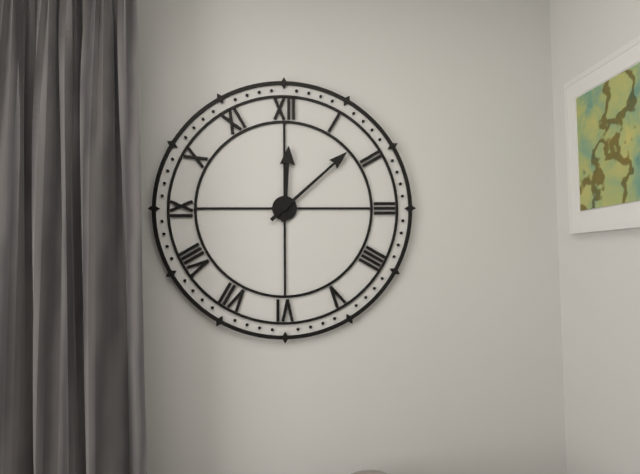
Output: **12:08**
